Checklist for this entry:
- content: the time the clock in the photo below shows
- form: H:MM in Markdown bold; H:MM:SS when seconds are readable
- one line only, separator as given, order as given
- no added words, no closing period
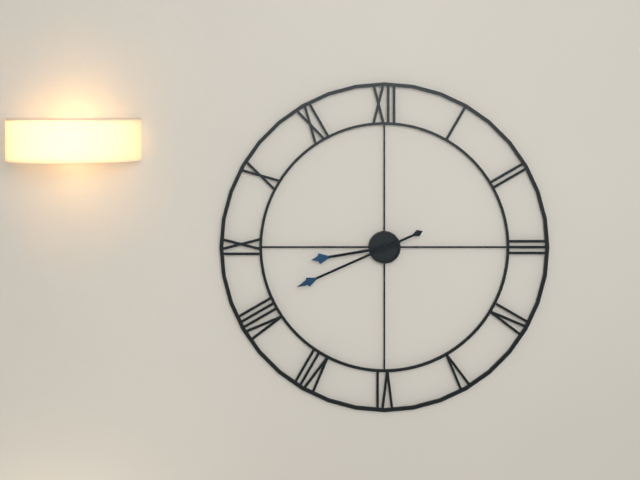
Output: **8:41**
